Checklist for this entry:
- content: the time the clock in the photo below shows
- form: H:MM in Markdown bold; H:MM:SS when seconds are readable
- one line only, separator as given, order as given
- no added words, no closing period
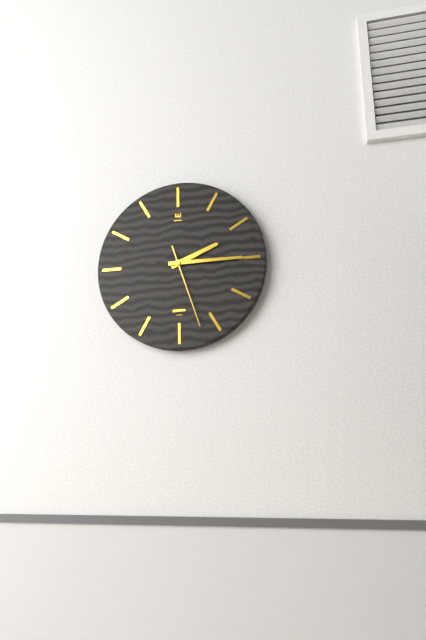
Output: **2:15:27**
